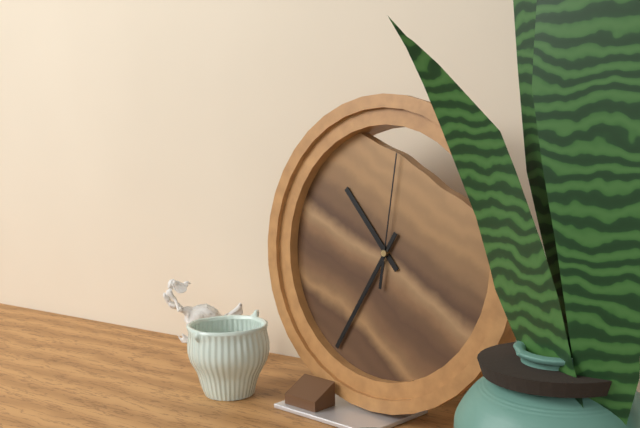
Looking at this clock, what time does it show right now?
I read 10:35:01
